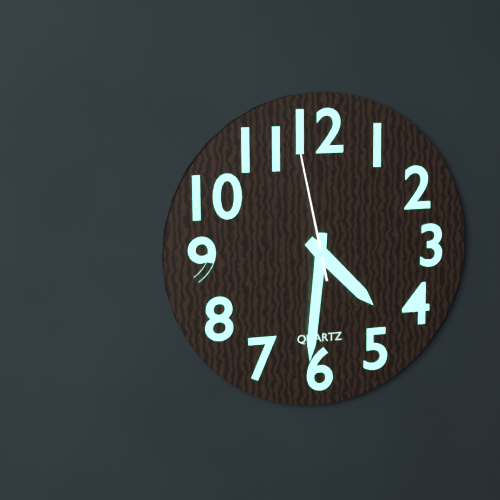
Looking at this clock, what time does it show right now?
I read 4:31:58
